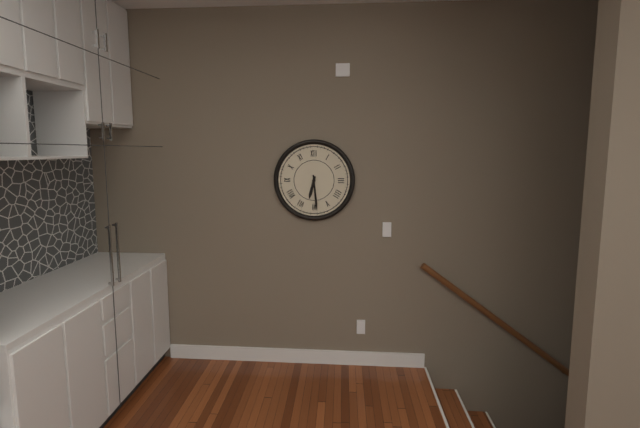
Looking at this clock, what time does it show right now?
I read 6:29
